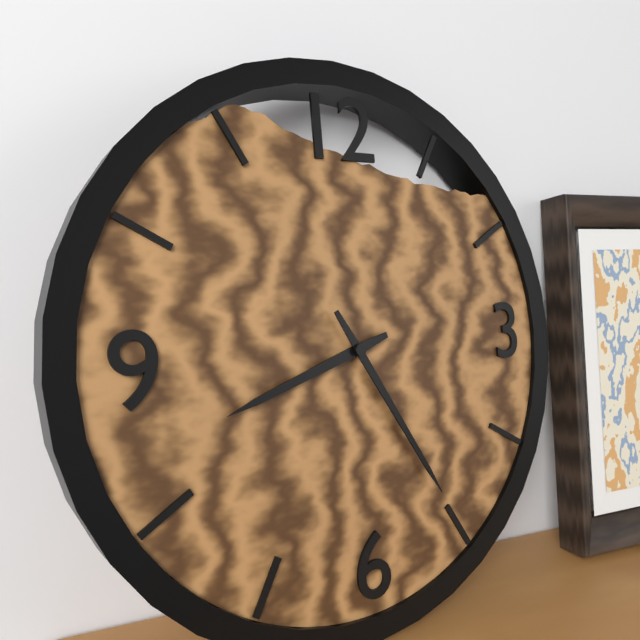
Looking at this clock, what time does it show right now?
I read 8:25
